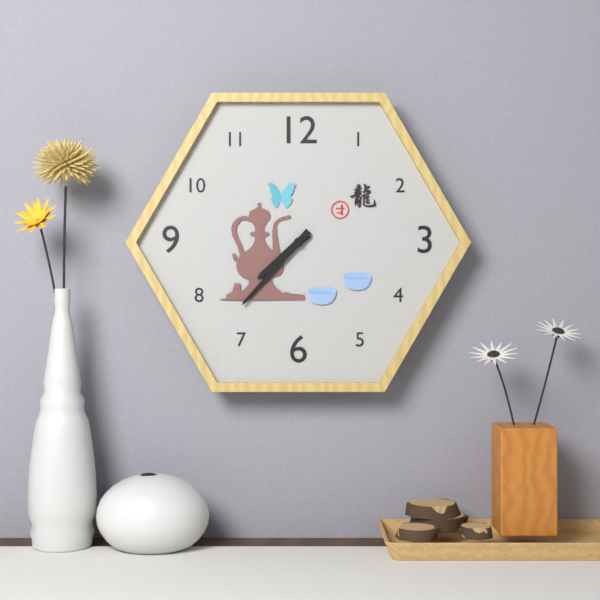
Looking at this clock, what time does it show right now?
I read 7:37
